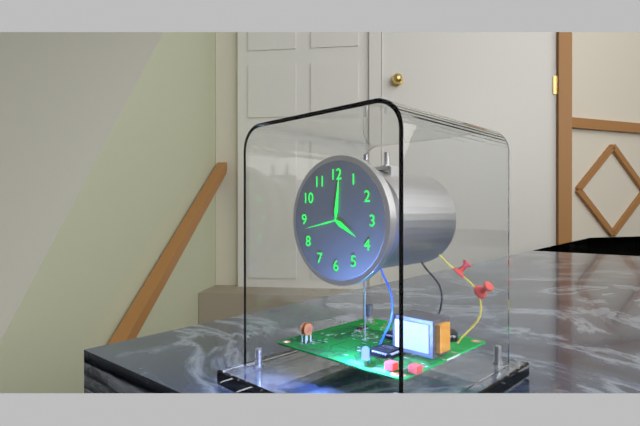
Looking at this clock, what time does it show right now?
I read 4:01
